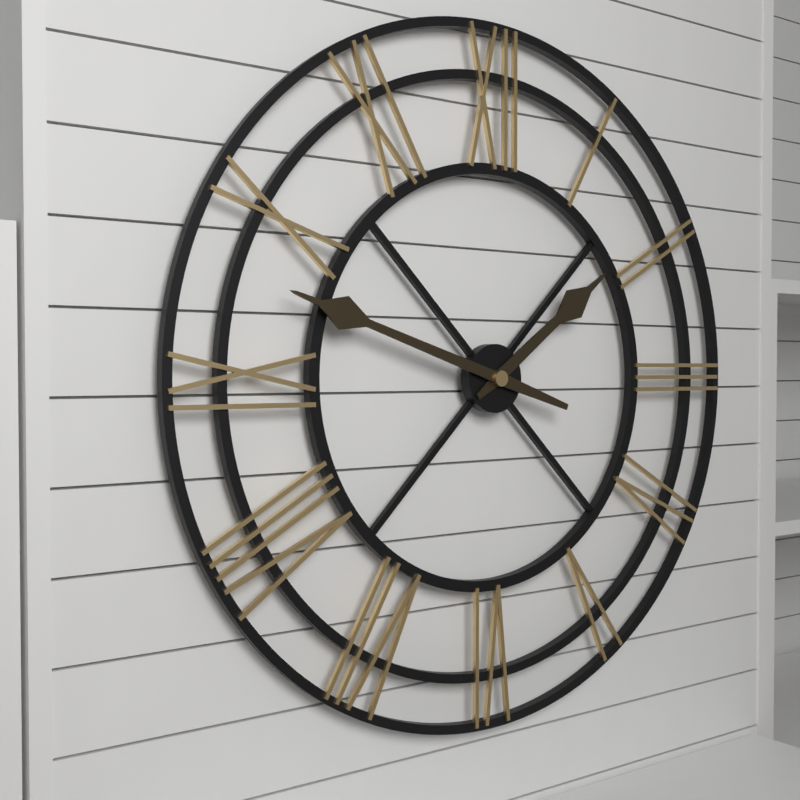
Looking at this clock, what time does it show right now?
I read 1:48
